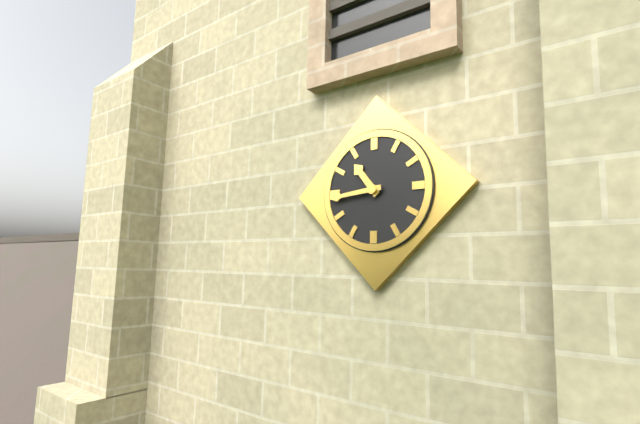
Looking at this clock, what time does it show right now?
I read 10:44
